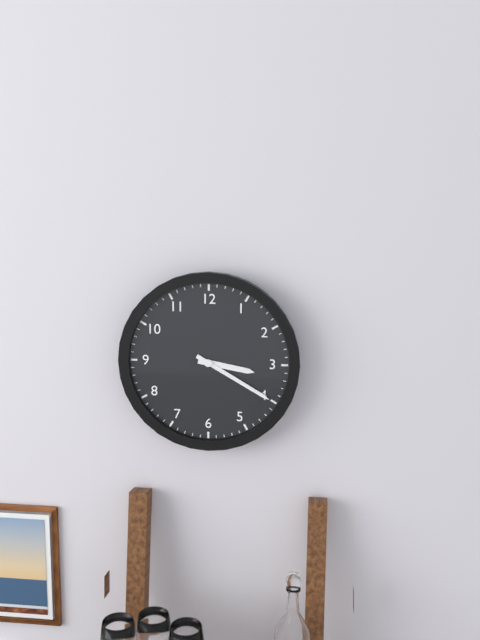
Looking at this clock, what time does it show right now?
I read 3:20
